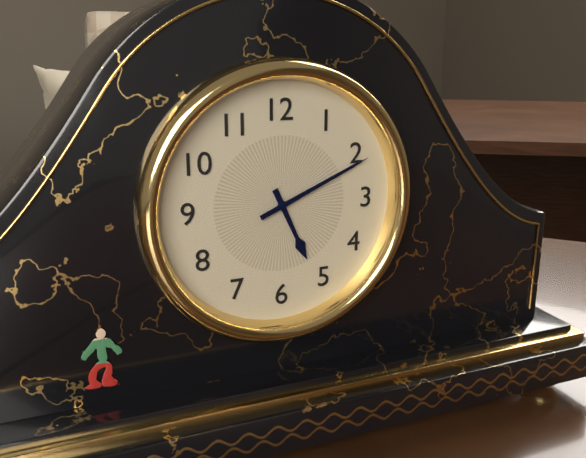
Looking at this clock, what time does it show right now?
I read 5:11
